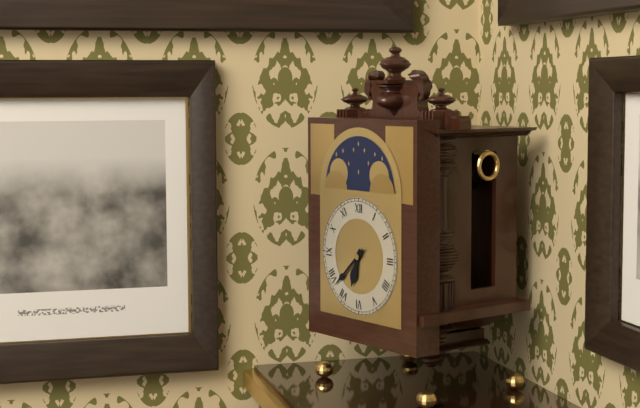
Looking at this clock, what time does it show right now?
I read 6:38
